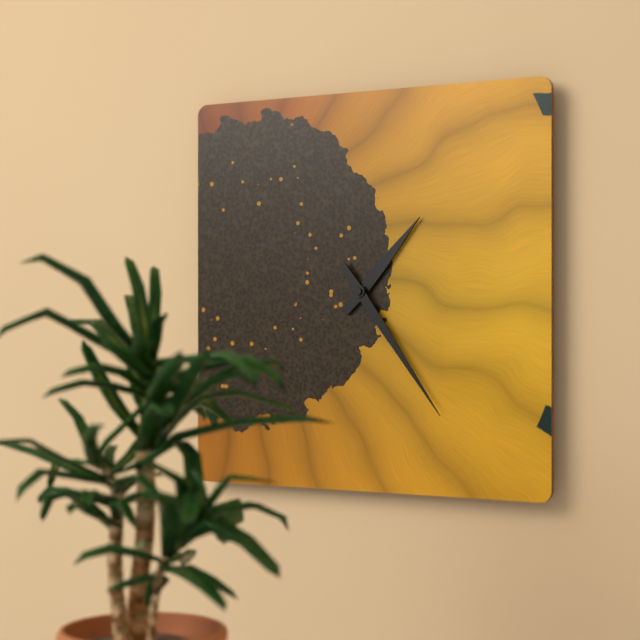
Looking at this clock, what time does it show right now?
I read 1:24
